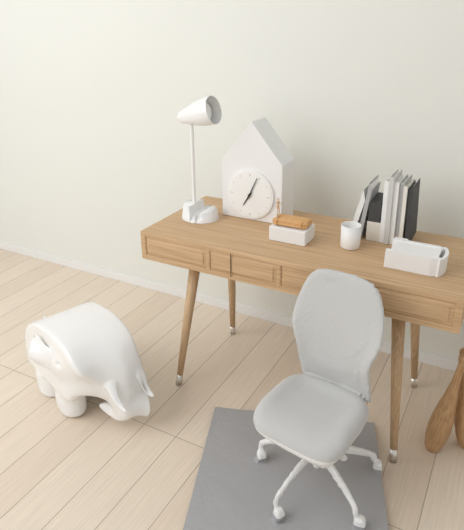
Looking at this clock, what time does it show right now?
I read 7:04
